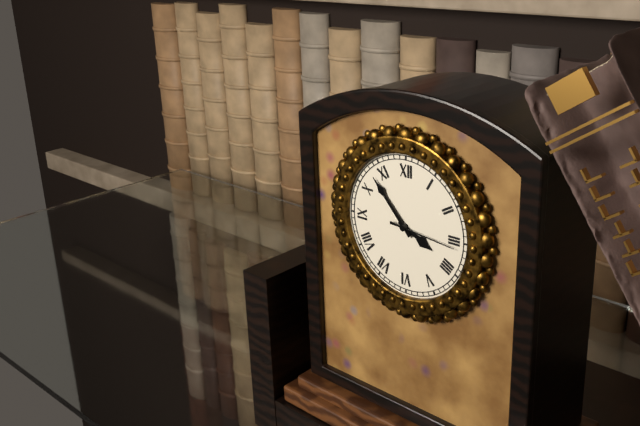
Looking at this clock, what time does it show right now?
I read 3:53:16
